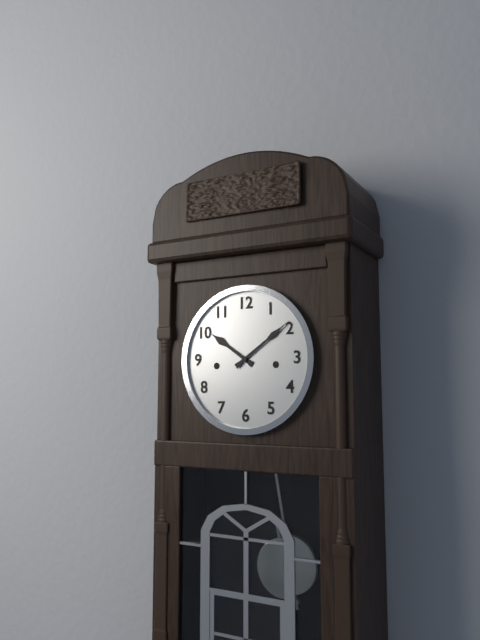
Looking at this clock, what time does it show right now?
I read 10:09
